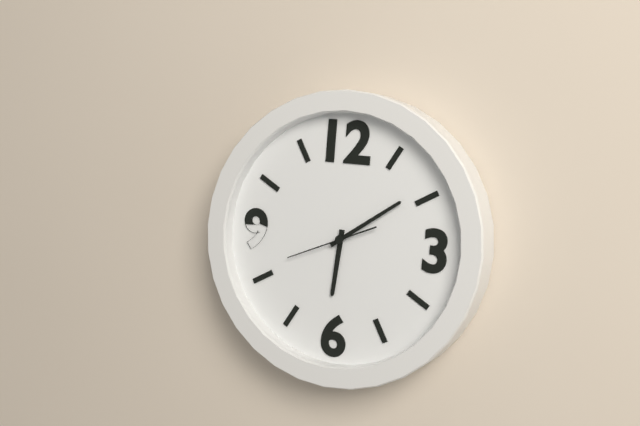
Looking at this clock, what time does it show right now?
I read 6:09:41
